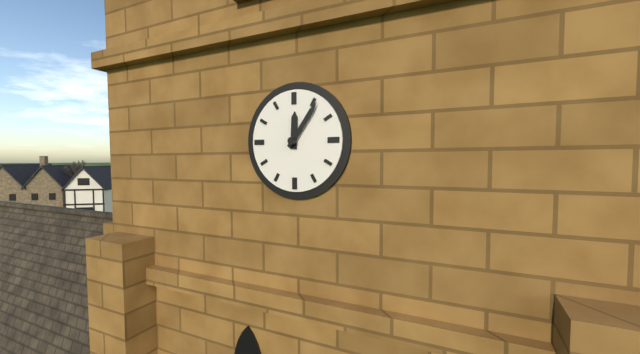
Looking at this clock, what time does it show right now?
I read 12:06
